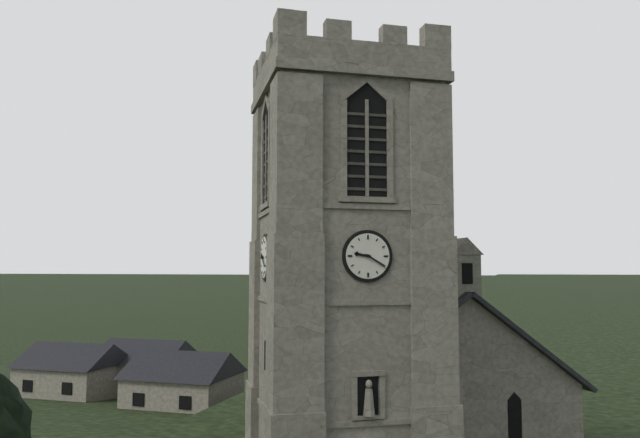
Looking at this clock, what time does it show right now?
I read 9:20
